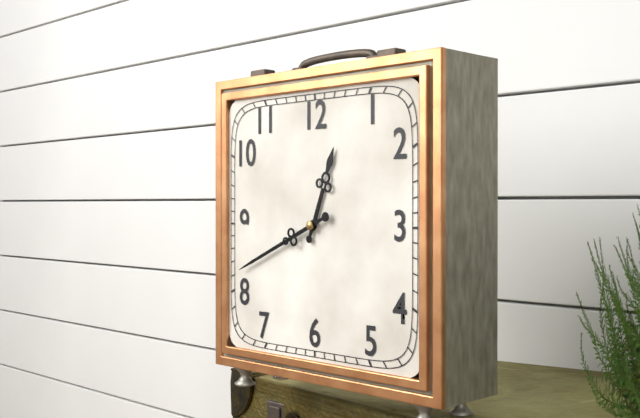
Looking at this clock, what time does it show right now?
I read 12:41
